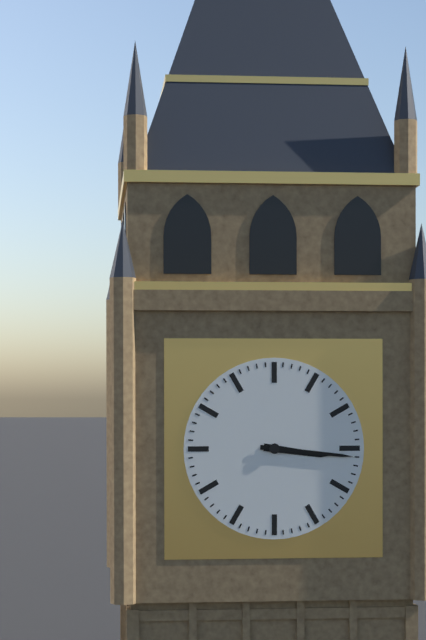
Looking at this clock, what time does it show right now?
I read 3:16
